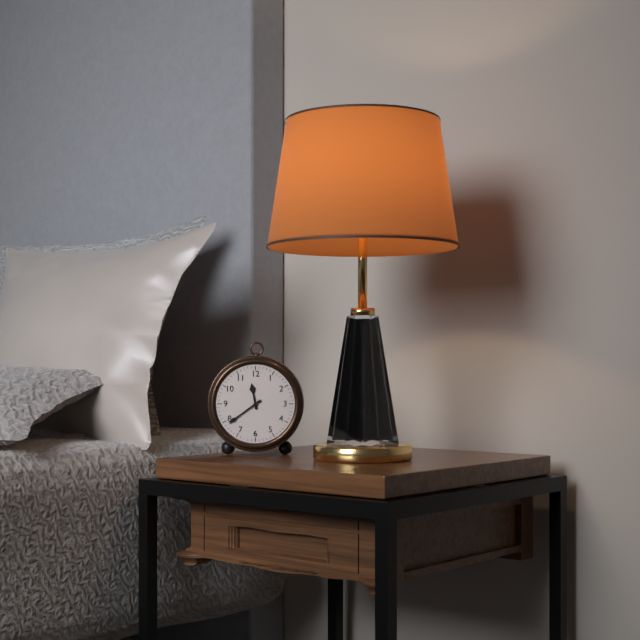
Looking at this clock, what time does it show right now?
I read 11:39
